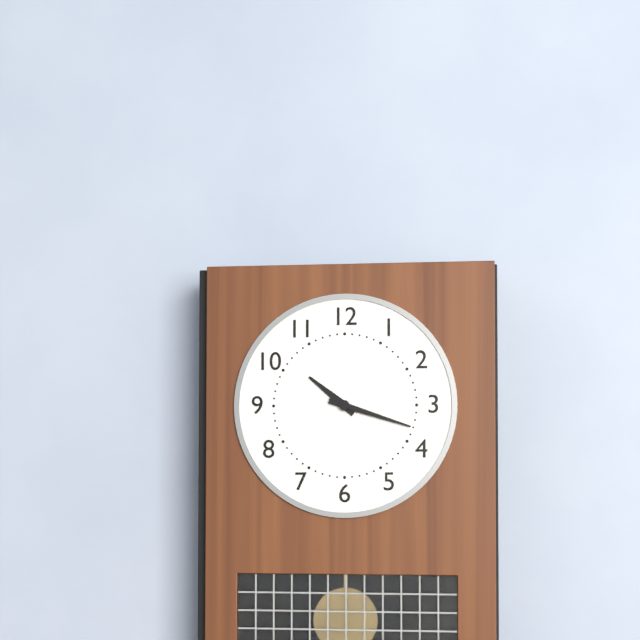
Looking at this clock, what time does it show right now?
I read 10:18
